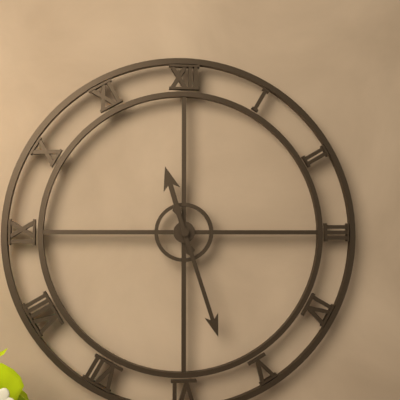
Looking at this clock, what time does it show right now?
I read 11:27
